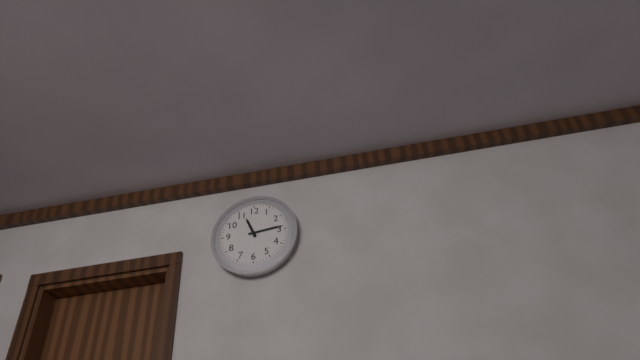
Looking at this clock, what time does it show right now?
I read 11:14
